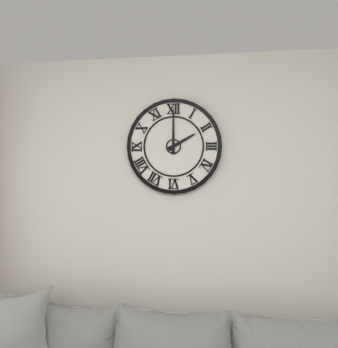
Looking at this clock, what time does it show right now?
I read 2:00
